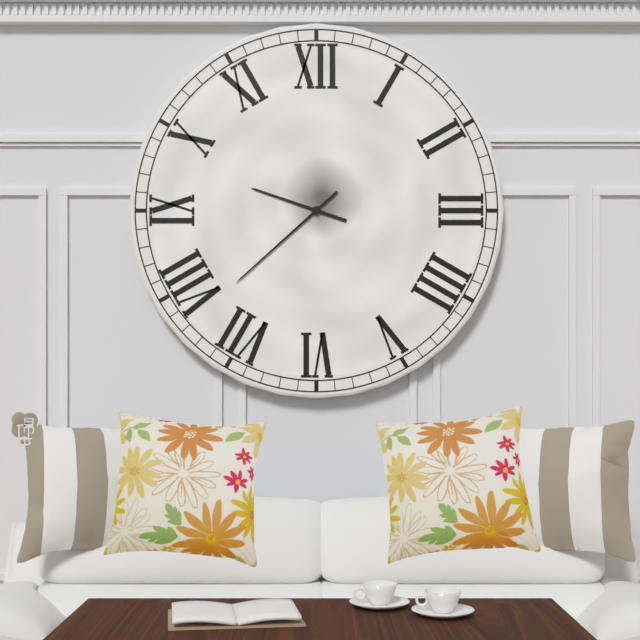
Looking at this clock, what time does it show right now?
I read 9:38
